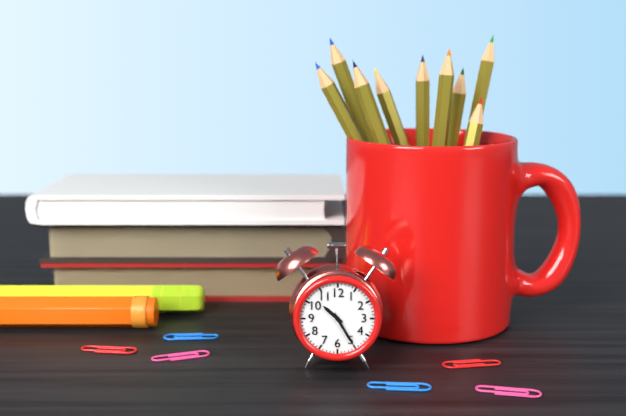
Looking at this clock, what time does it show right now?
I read 10:25
